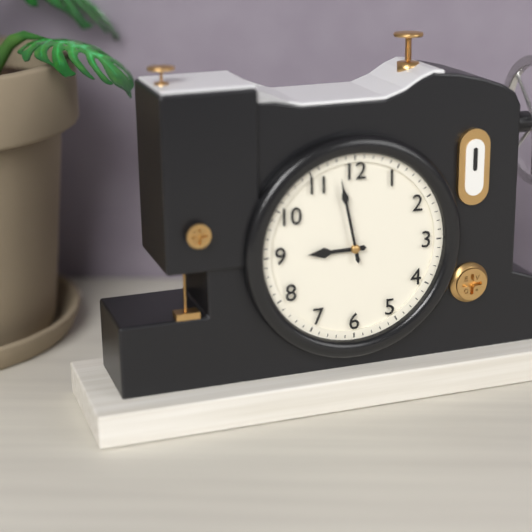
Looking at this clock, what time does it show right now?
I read 8:58
